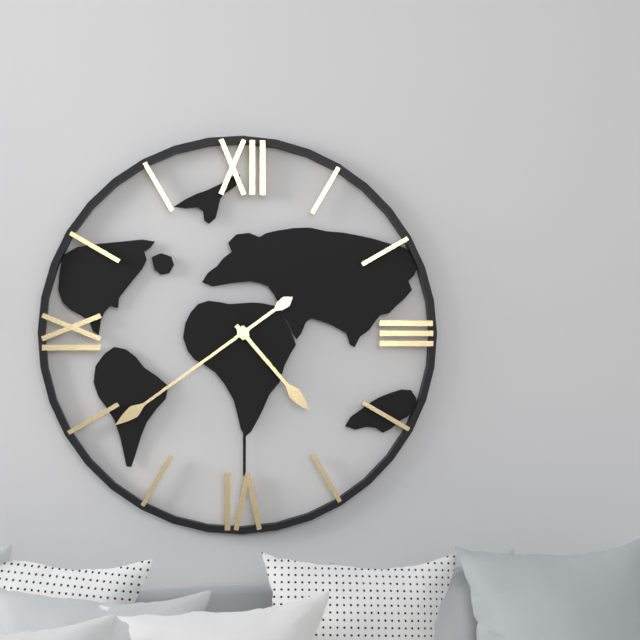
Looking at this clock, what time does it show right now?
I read 4:39
